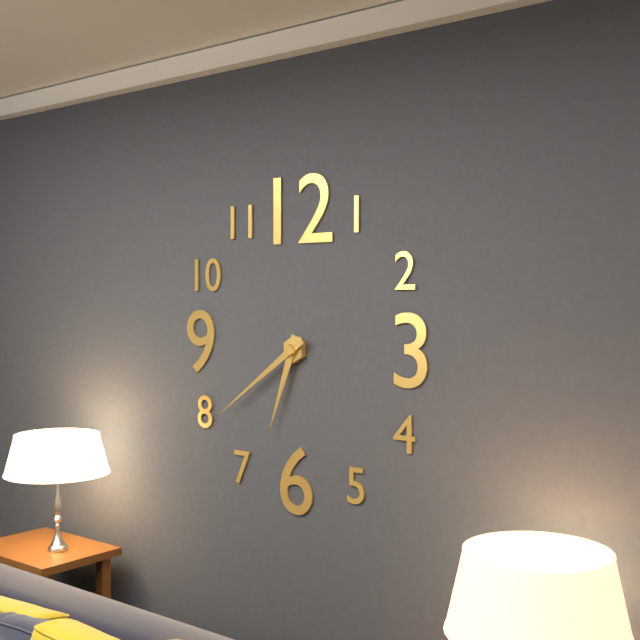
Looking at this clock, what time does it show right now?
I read 6:39
